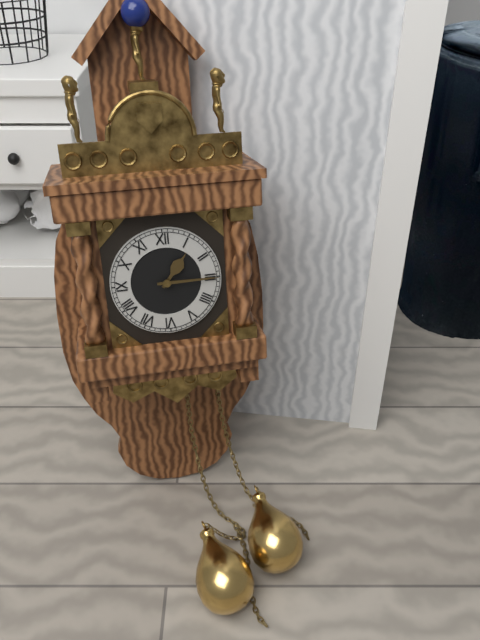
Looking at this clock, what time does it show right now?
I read 1:15
